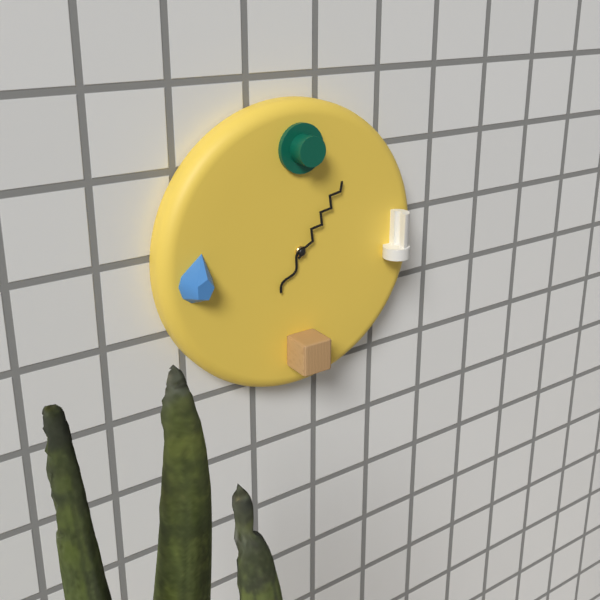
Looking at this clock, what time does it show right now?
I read 7:06
